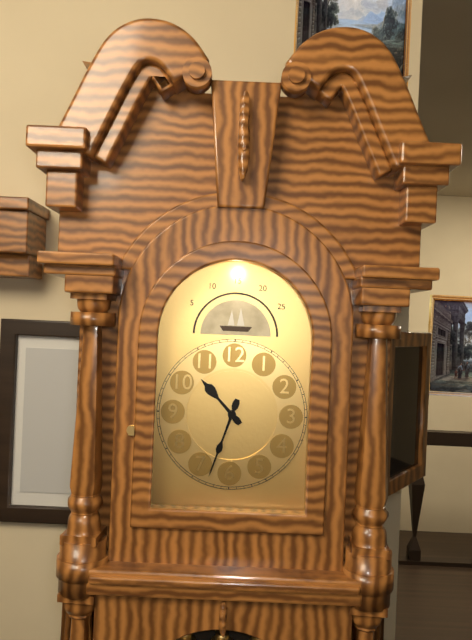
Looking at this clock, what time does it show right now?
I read 10:33
